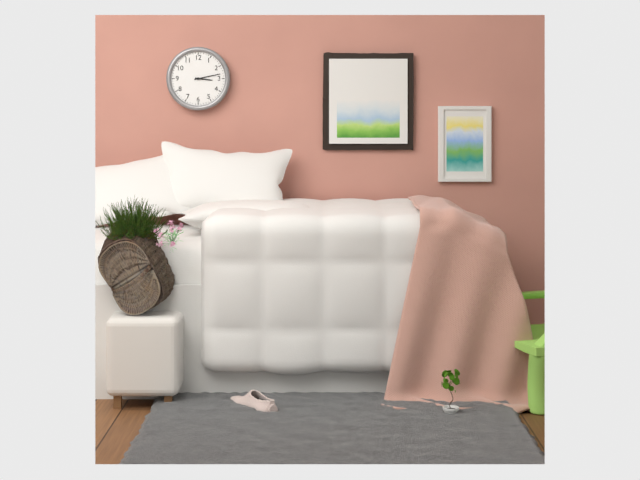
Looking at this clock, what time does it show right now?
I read 3:13
